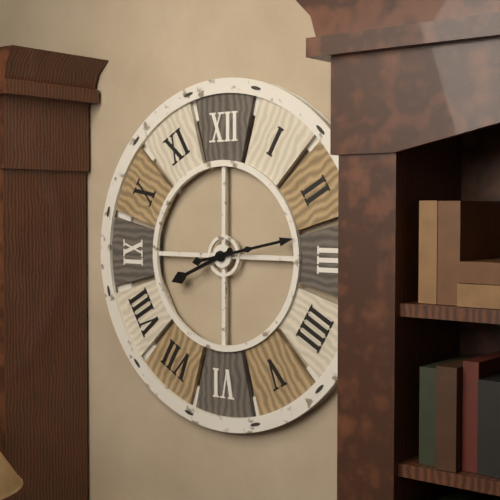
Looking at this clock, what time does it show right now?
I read 8:13
